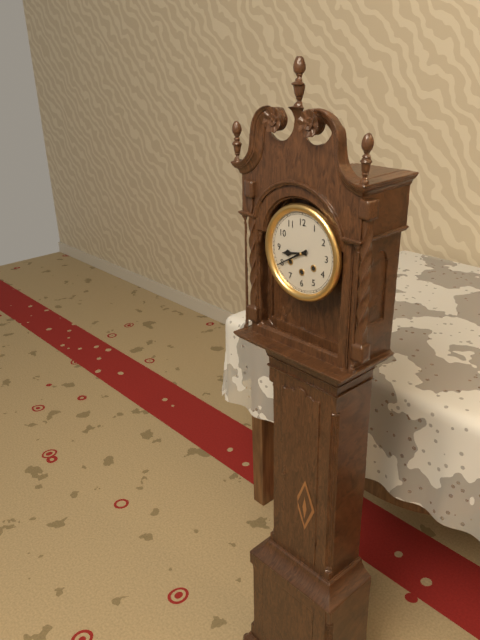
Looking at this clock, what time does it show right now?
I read 8:40
